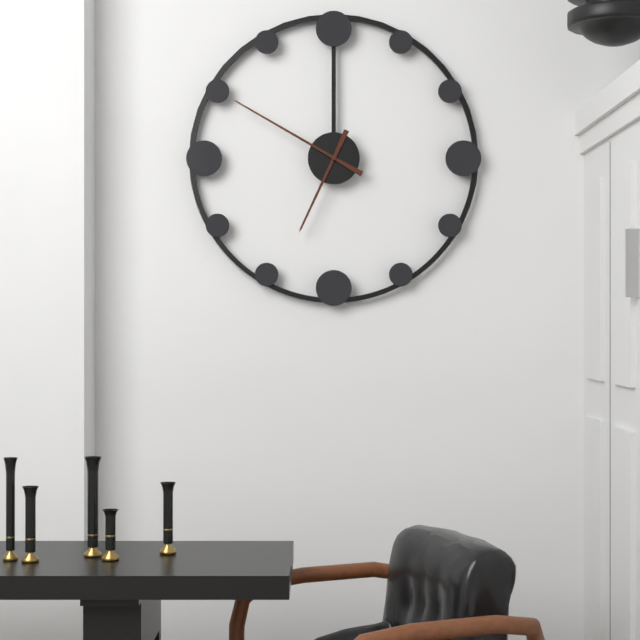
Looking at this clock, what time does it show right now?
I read 6:50
